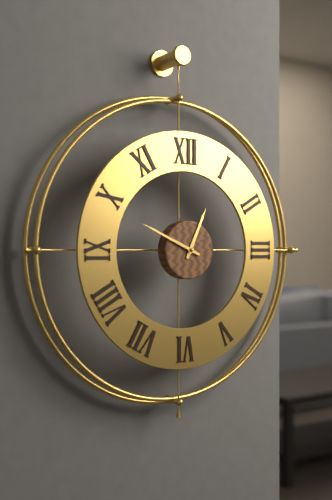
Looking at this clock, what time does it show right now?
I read 12:49
